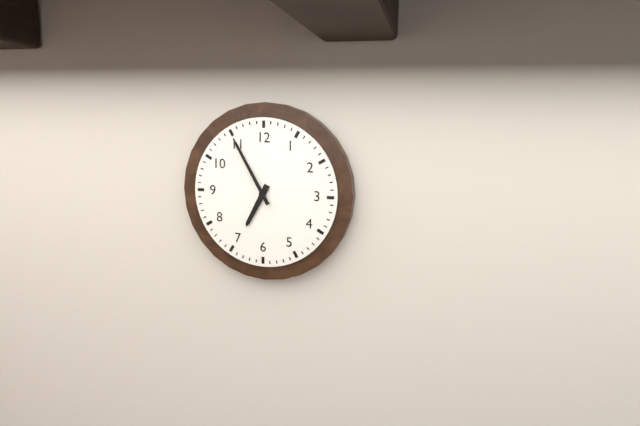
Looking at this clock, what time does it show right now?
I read 6:55
